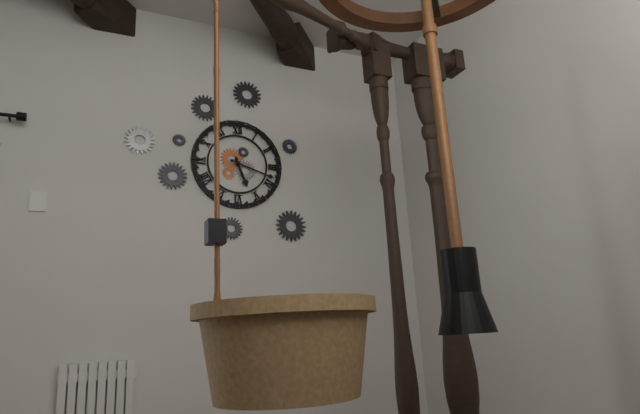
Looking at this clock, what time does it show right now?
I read 5:18
